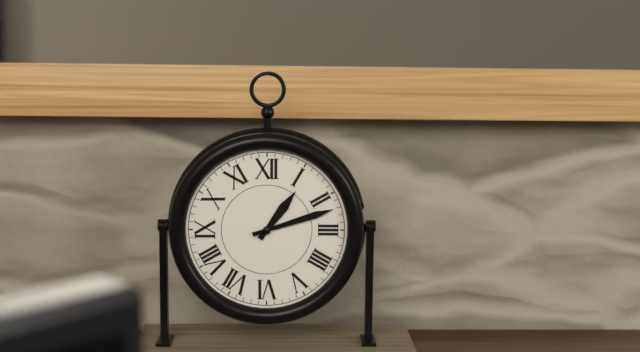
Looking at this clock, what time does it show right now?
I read 1:12
